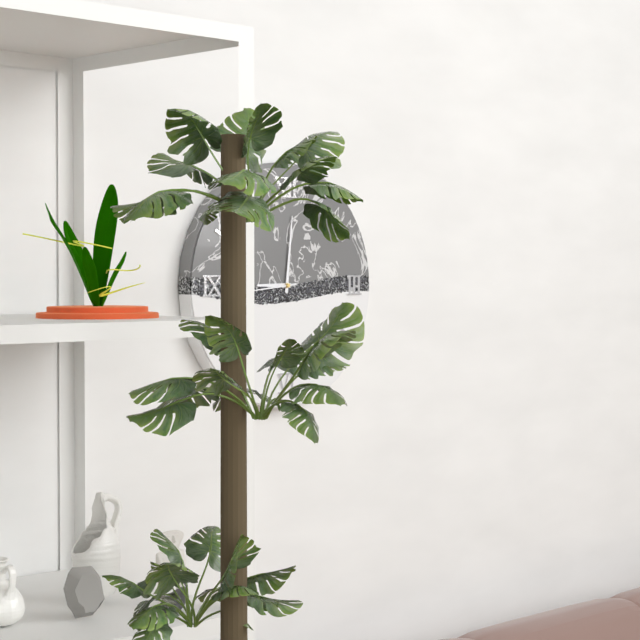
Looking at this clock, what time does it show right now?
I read 9:01:44
